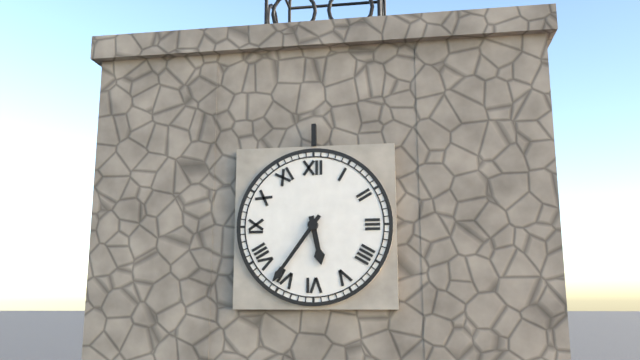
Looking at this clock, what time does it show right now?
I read 5:36
